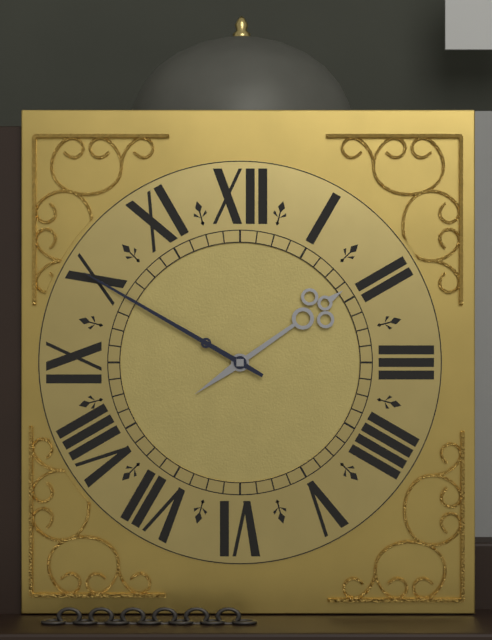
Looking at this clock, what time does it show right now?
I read 1:50
